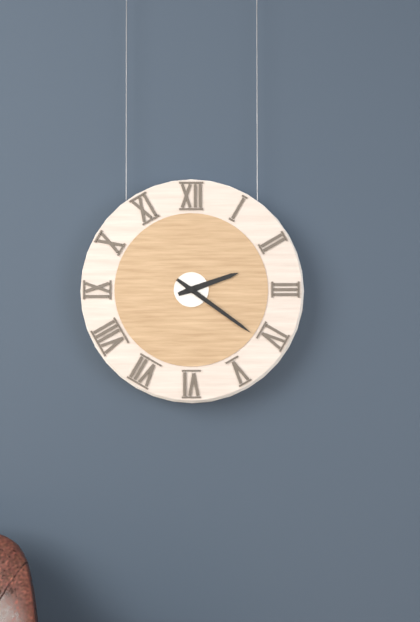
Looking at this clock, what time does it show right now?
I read 2:21
